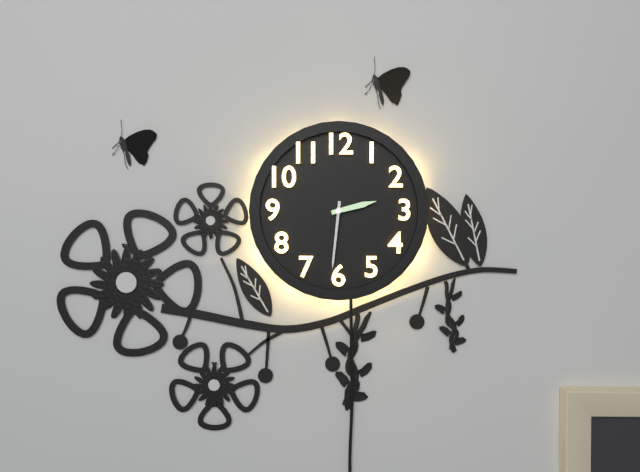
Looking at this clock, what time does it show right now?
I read 2:31
